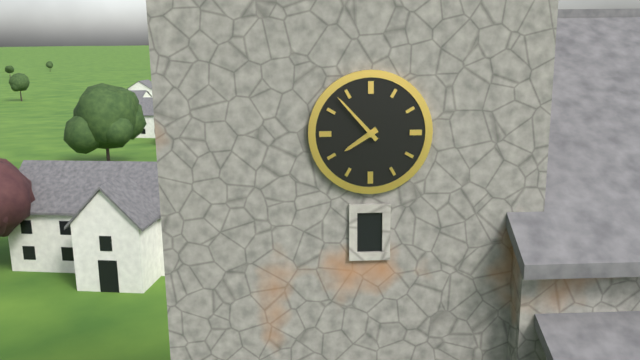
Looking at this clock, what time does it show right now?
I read 7:53
